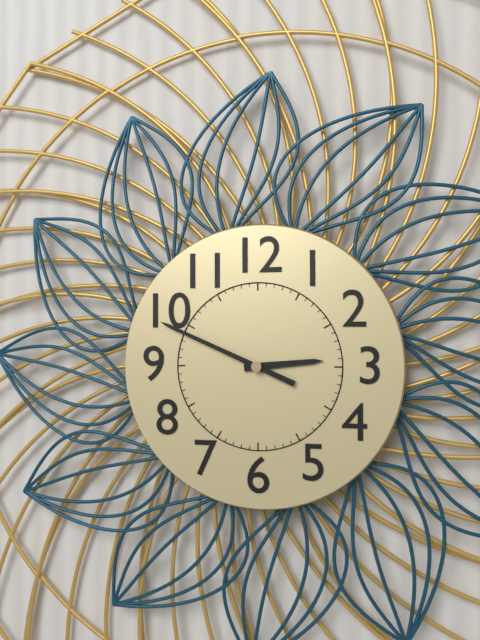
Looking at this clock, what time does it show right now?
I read 2:49
